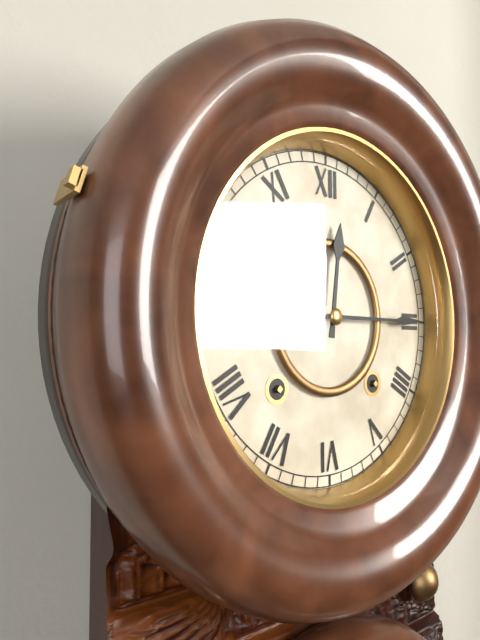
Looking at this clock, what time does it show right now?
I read 12:15
